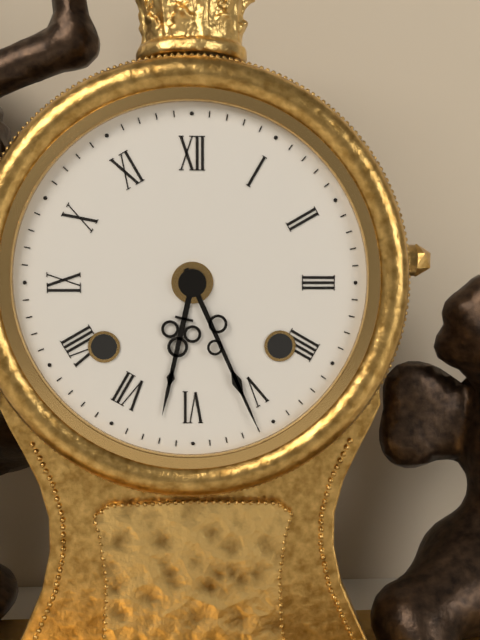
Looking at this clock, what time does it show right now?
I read 6:26
